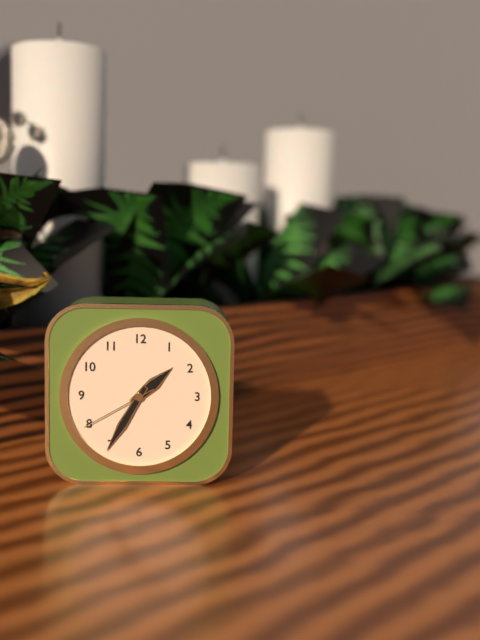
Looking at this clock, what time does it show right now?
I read 1:35:40
